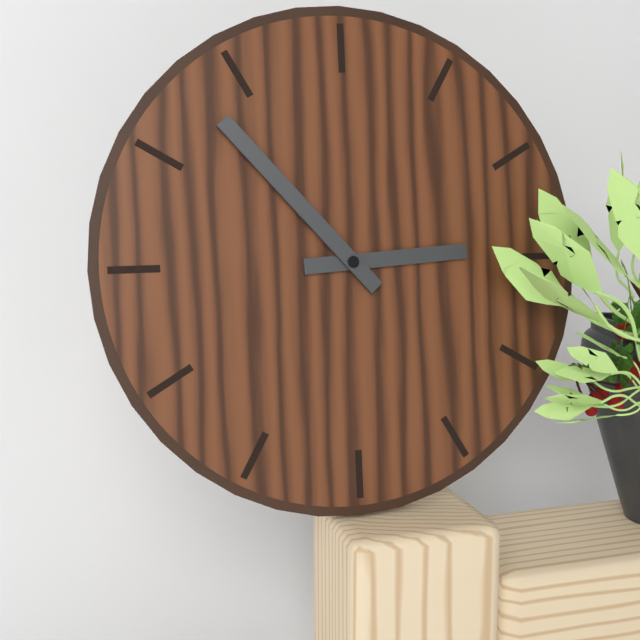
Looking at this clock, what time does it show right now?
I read 2:53
